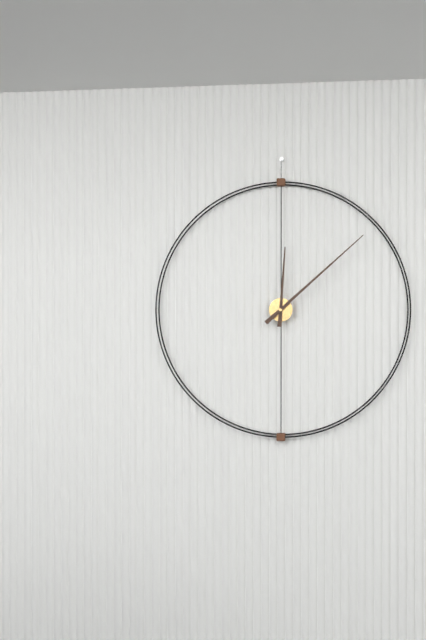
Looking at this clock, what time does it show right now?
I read 12:08
